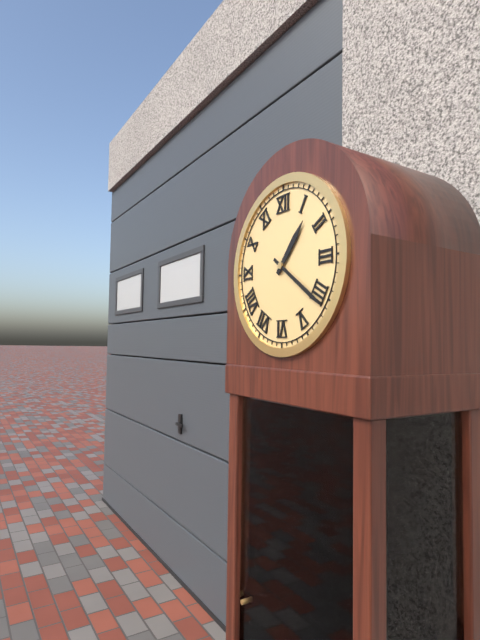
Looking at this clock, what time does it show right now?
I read 1:21
